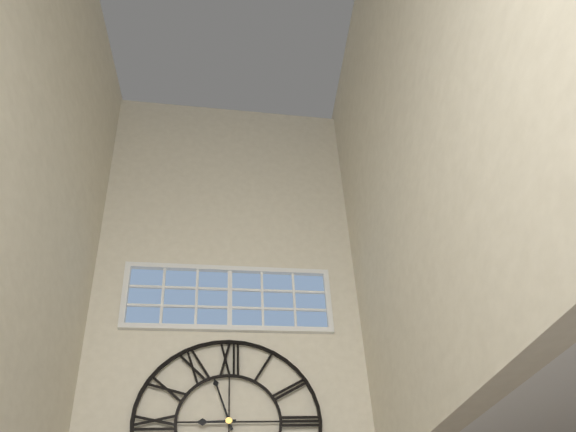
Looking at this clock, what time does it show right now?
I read 8:57
